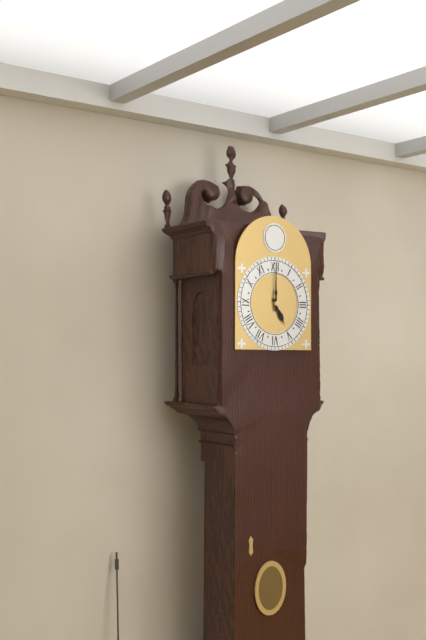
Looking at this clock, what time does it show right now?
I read 5:00
